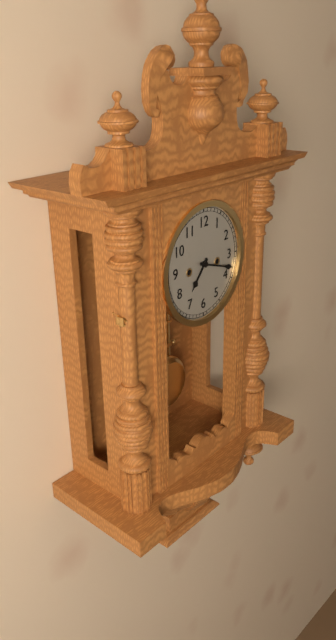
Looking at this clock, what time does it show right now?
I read 7:18
